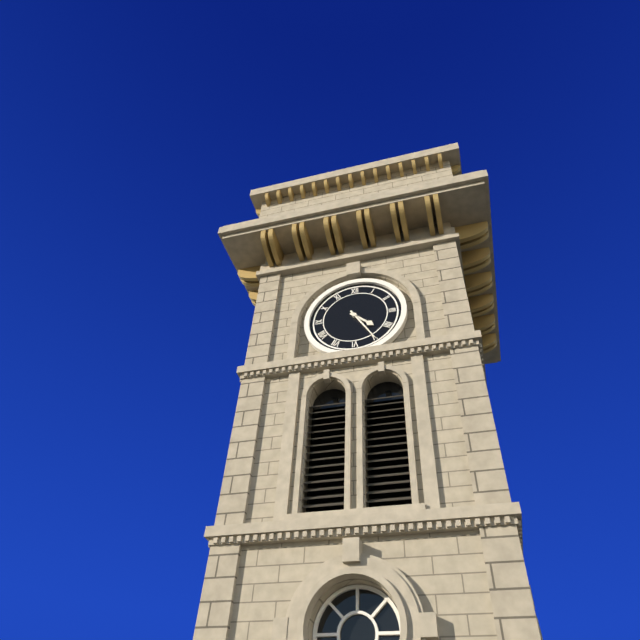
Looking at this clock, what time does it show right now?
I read 4:25
